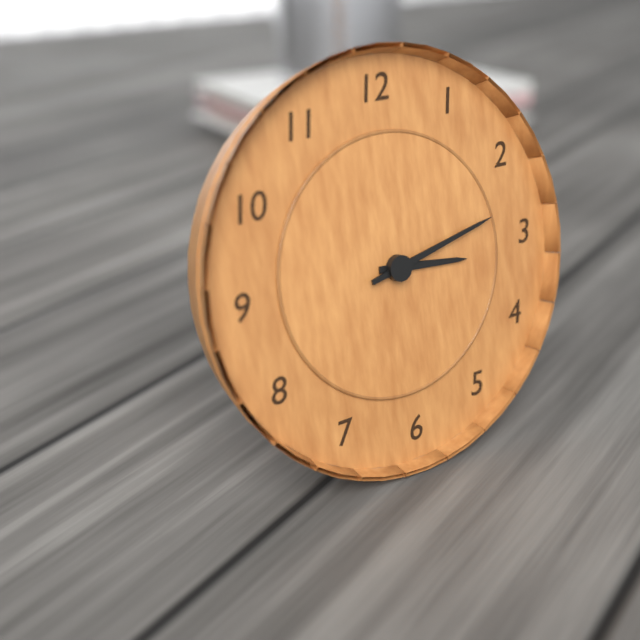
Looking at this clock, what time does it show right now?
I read 3:13
